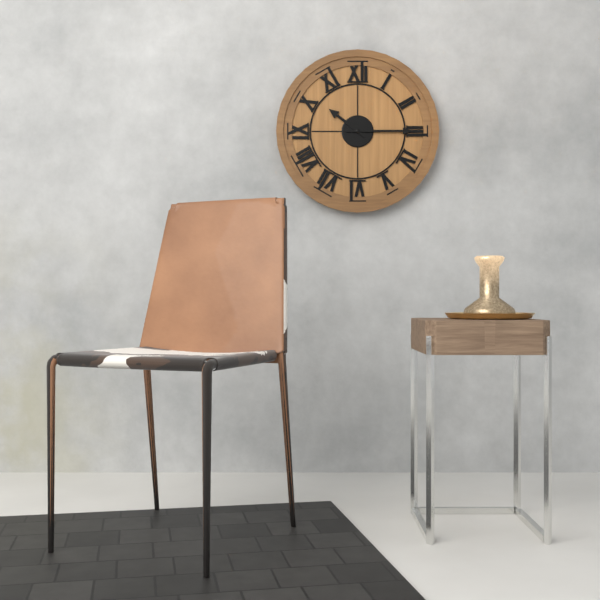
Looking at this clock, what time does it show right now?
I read 10:15
